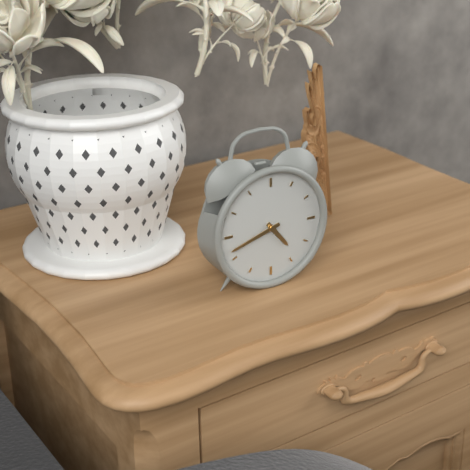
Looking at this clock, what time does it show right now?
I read 4:42
